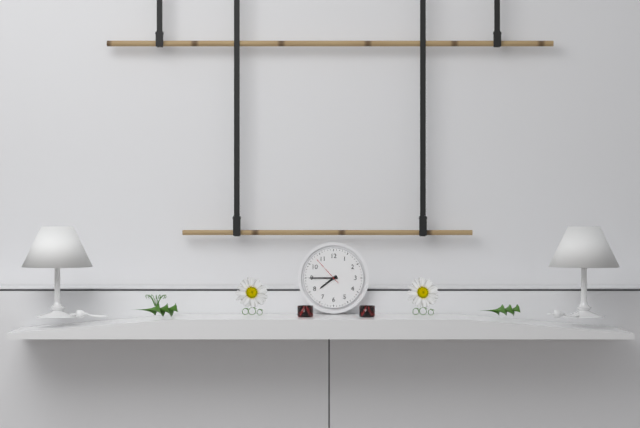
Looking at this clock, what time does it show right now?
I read 7:45
